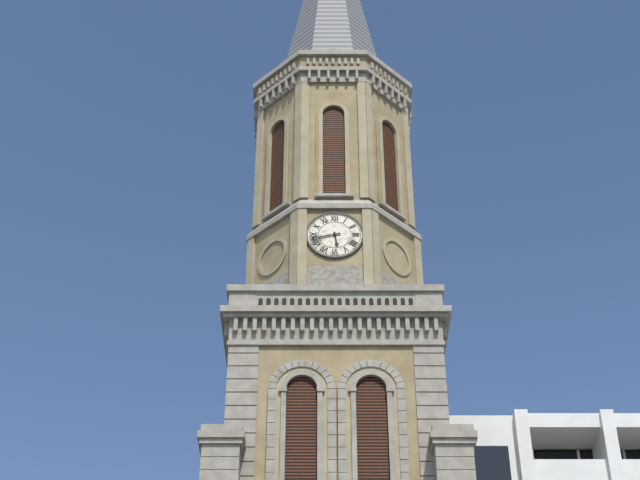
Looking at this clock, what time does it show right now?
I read 5:43
